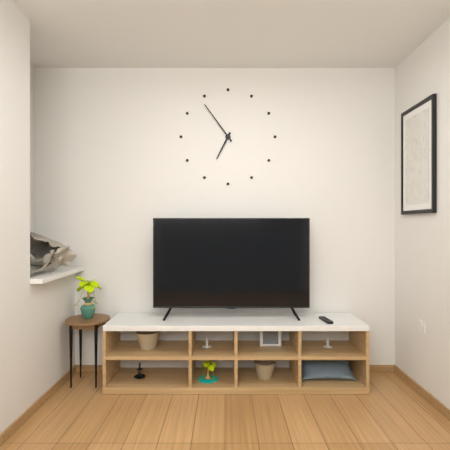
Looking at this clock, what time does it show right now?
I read 6:54
